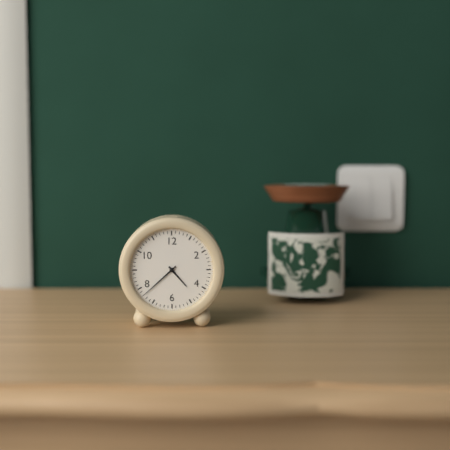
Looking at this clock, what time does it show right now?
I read 4:38
